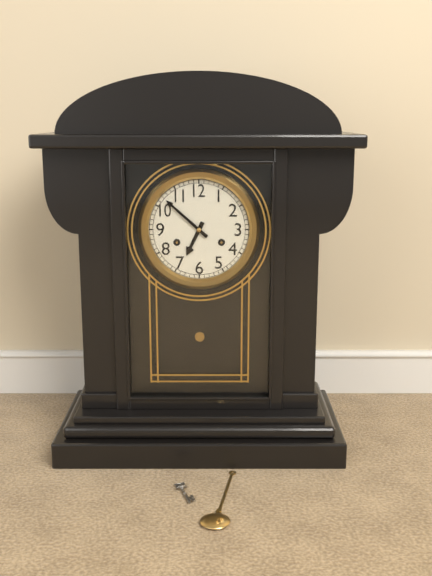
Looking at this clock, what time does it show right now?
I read 6:52
